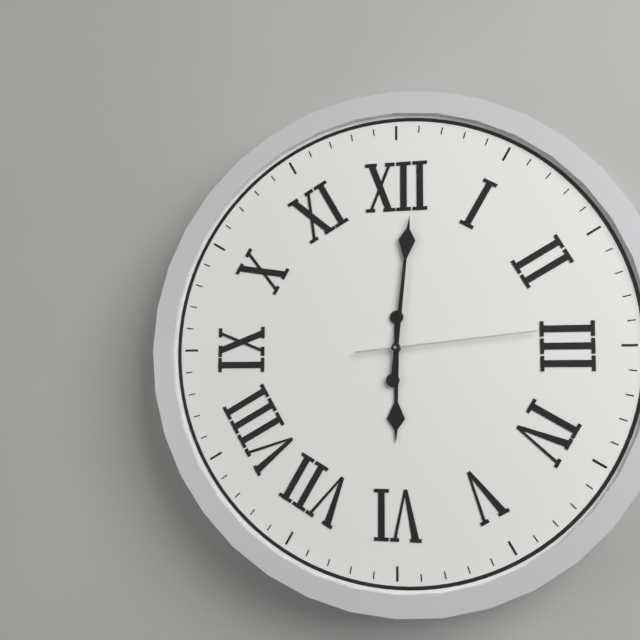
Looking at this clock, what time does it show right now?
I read 6:01:14
